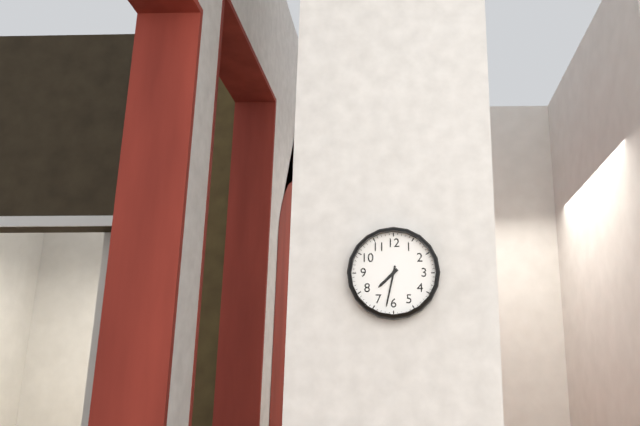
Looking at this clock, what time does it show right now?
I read 7:32
